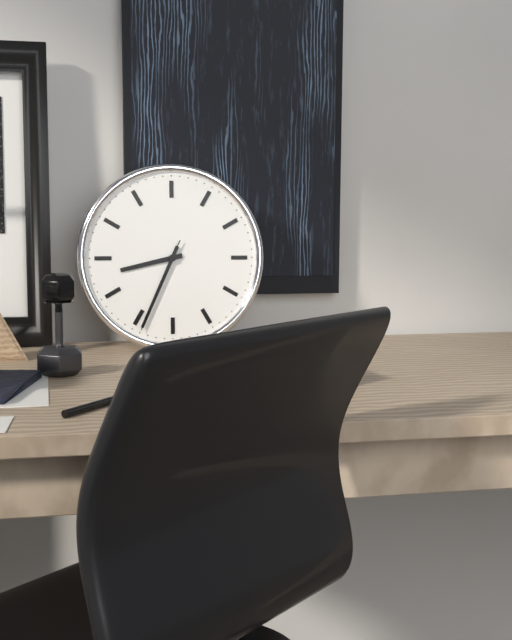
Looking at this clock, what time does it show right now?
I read 8:34:34
